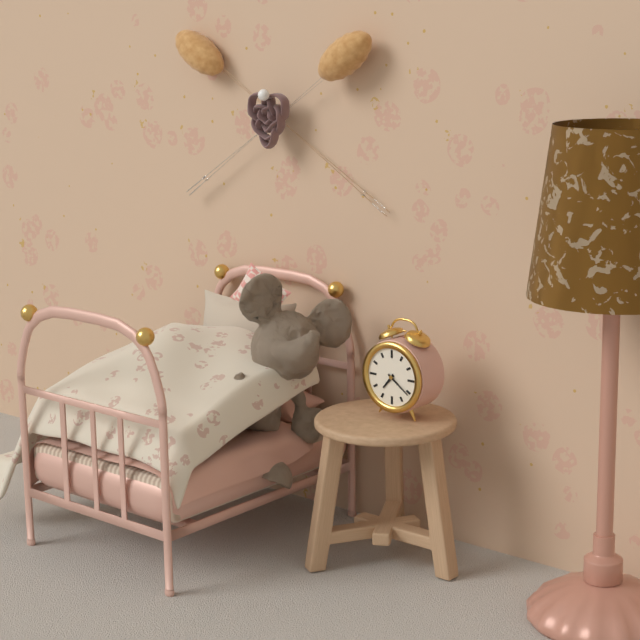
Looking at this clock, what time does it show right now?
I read 7:21
